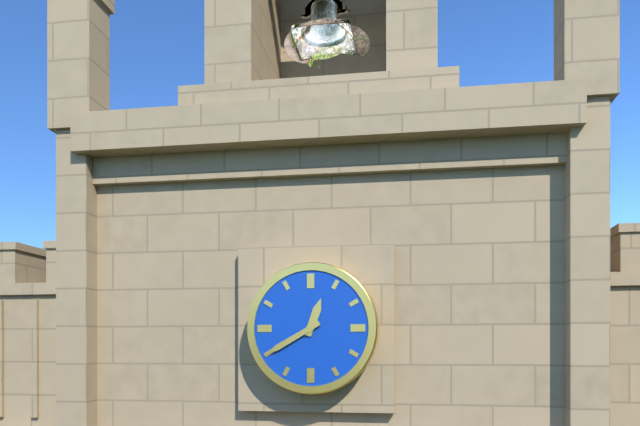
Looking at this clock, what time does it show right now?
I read 12:40
